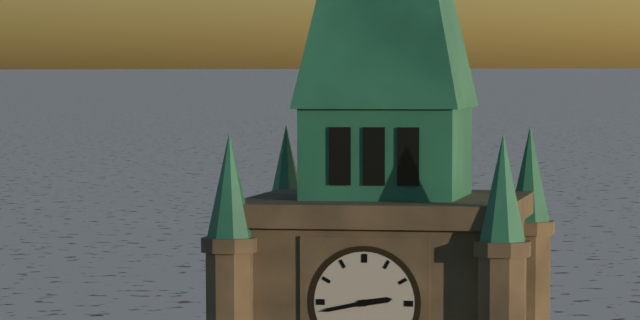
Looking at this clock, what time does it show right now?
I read 2:43
